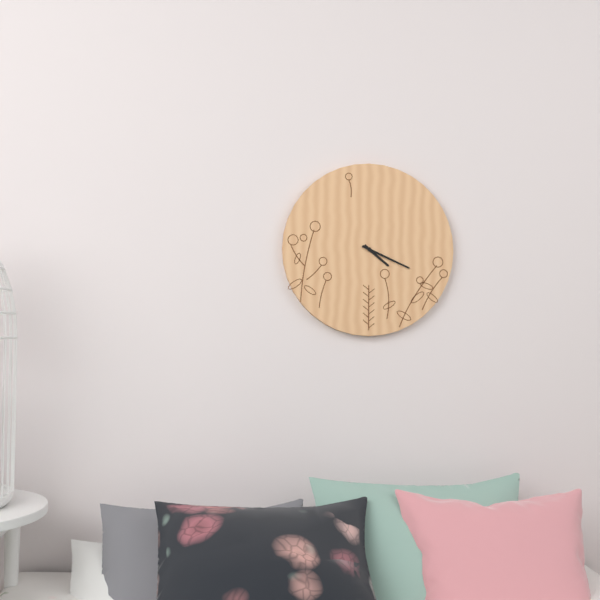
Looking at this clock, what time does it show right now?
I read 4:19
